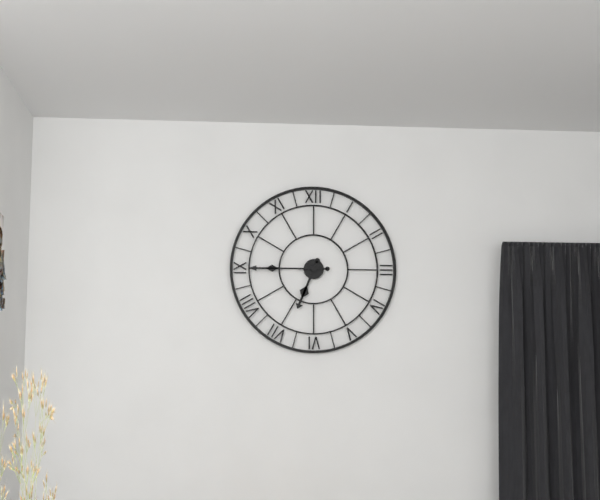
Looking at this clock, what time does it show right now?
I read 6:45
